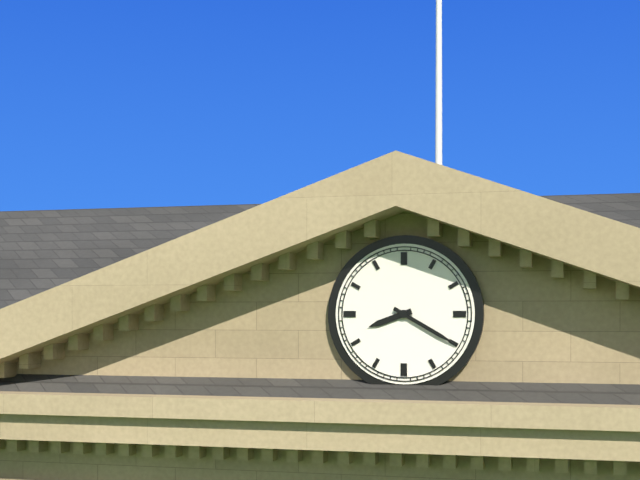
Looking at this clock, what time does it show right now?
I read 8:20
